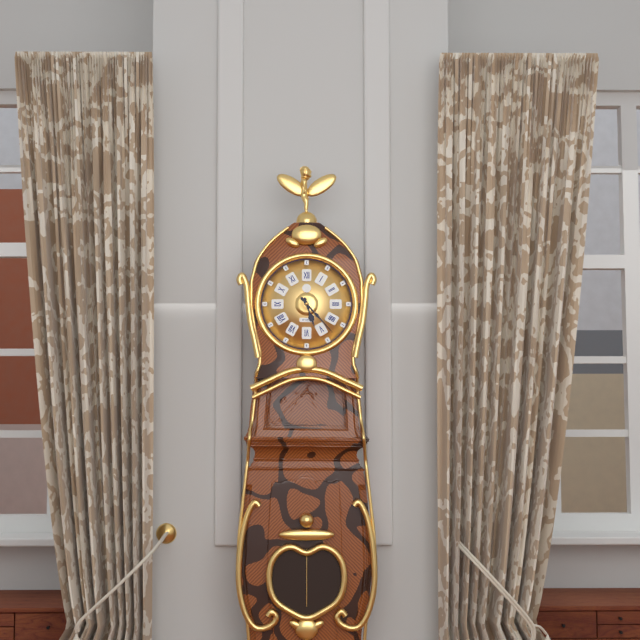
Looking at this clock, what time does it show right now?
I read 5:23
